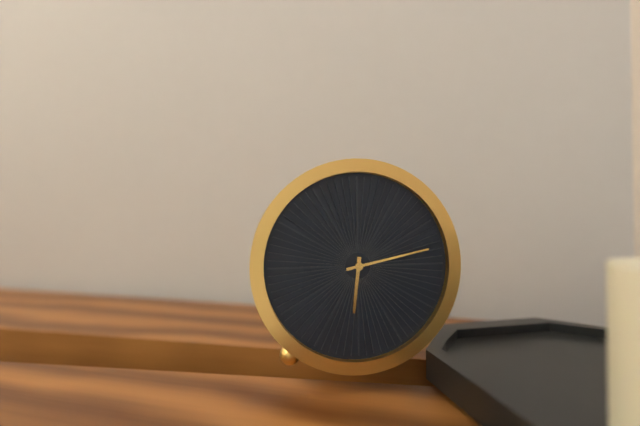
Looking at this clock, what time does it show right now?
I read 6:13
